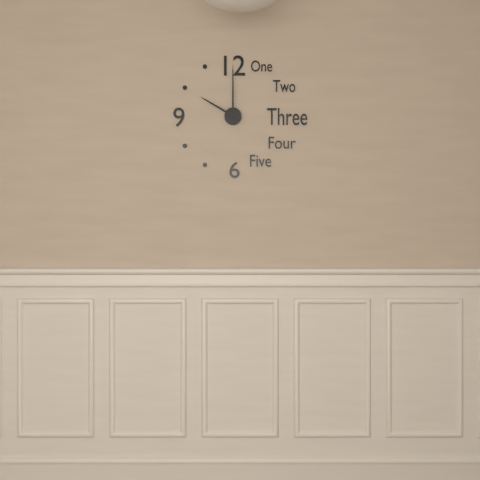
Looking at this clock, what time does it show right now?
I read 10:00
